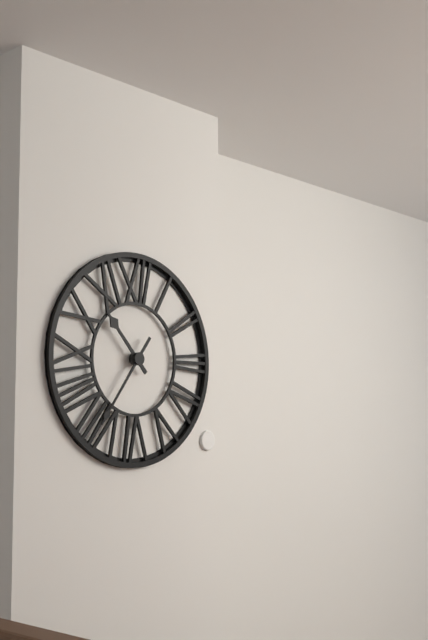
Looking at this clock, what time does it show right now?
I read 10:36
